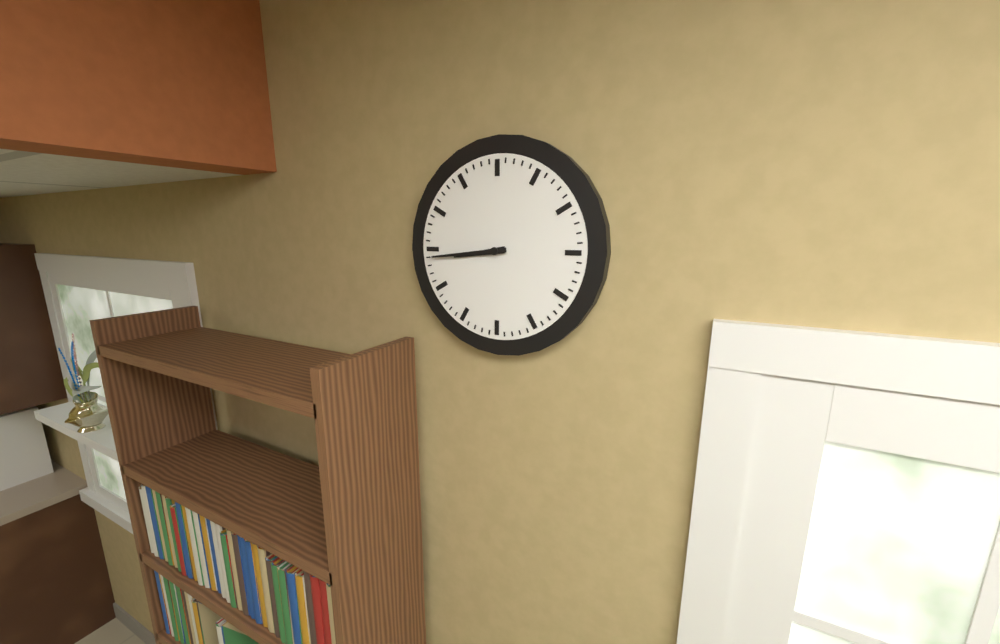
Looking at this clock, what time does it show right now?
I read 8:44
